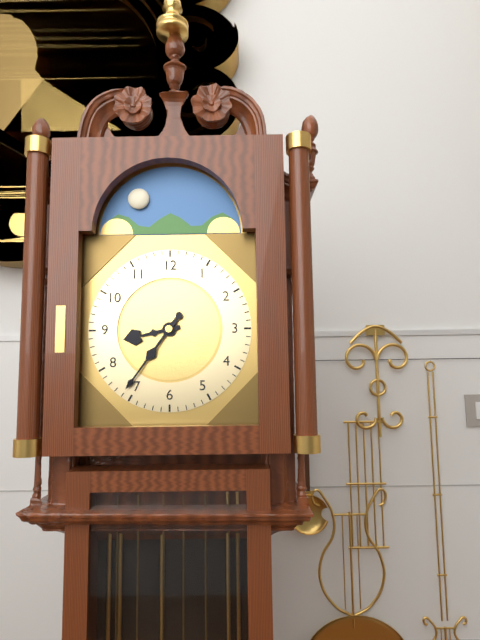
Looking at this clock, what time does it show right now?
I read 8:36
